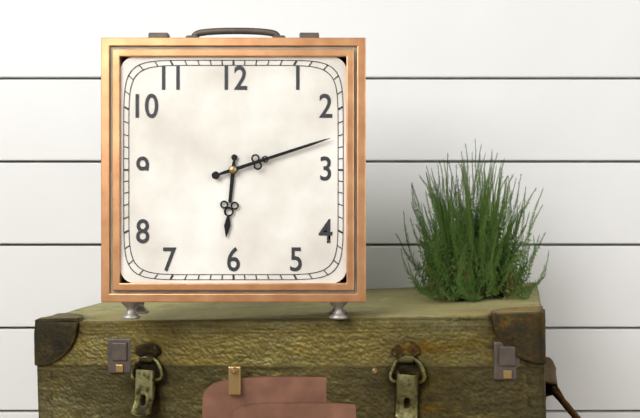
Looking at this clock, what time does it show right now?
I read 6:12
